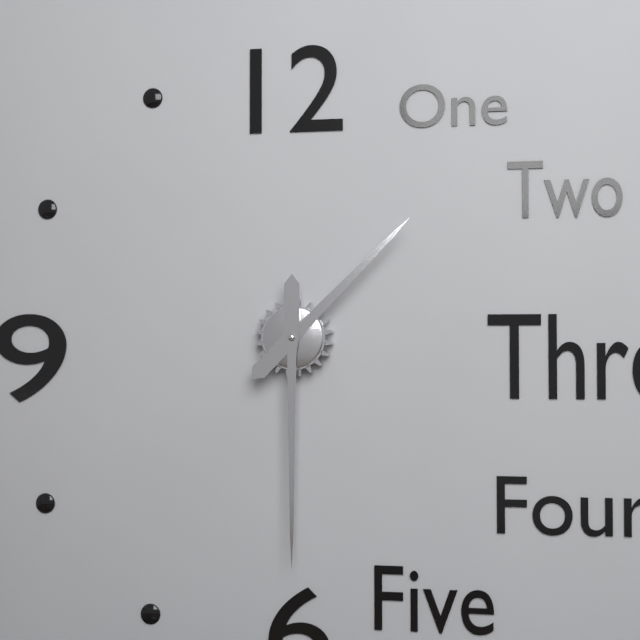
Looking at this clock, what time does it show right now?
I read 1:30
